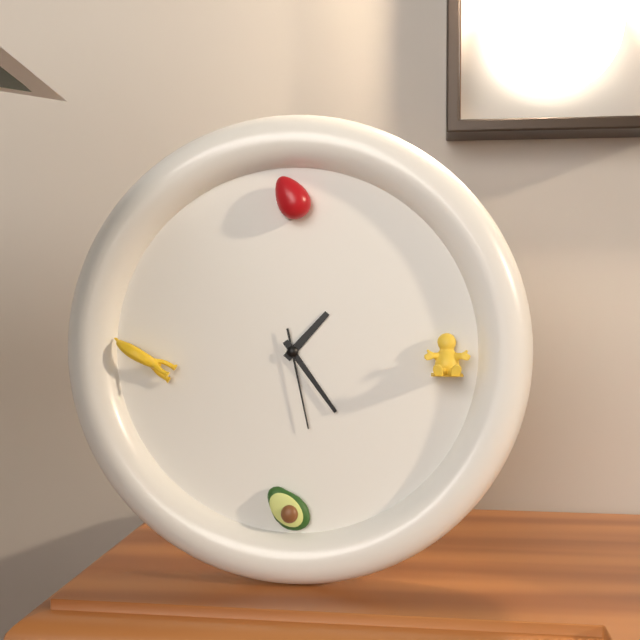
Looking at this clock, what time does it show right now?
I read 1:24:28
